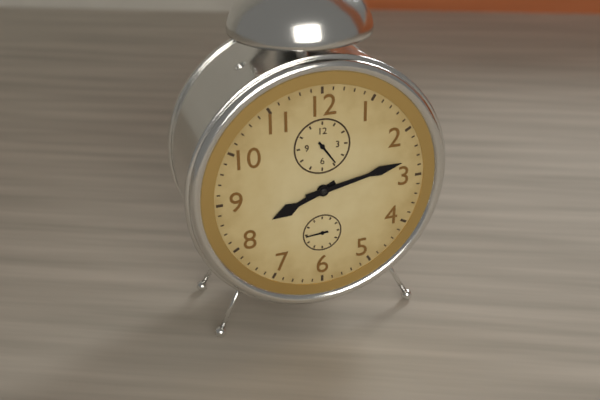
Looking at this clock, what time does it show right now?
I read 8:13
